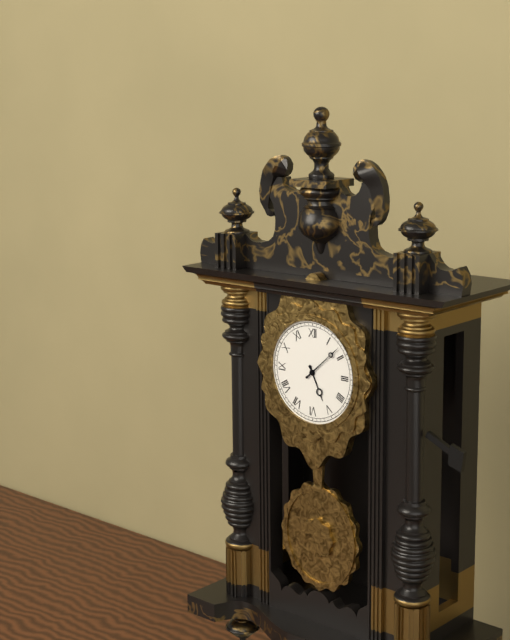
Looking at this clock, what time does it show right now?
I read 5:08
